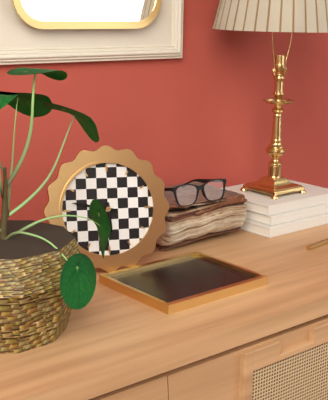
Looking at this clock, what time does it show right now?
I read 5:47
